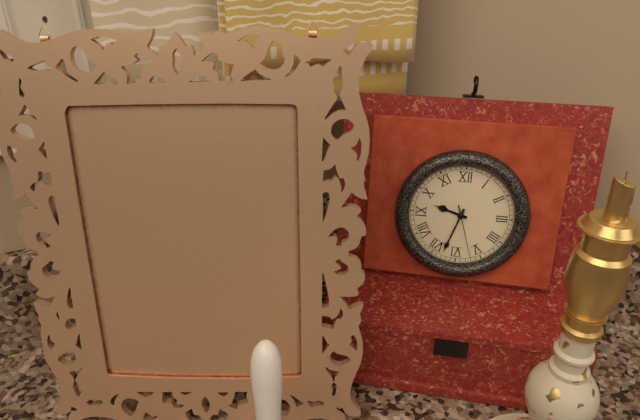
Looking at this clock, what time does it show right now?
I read 9:33:27
